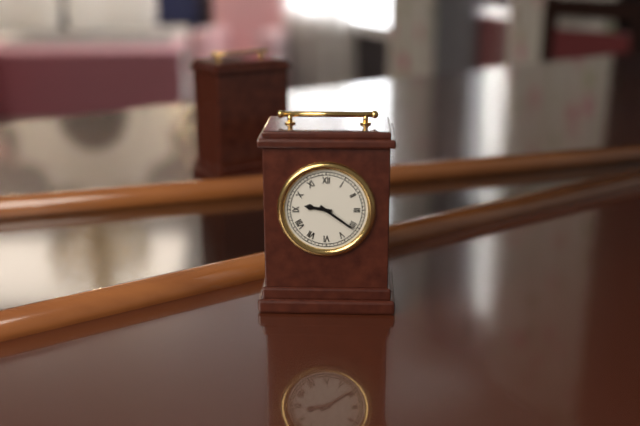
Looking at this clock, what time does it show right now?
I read 9:21
